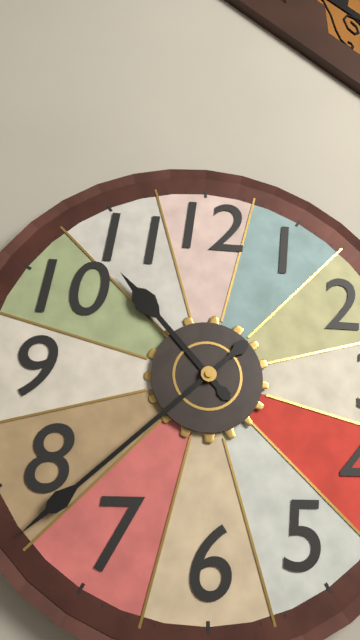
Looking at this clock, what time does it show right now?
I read 10:38
